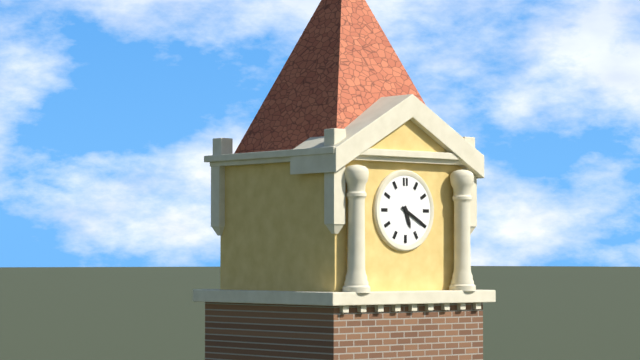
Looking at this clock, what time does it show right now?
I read 5:20
